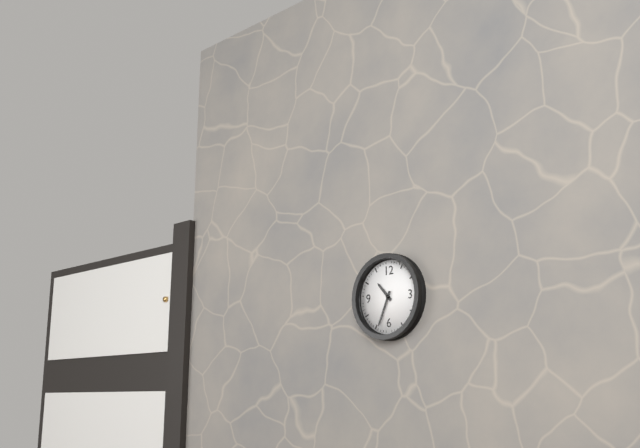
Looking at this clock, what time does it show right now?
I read 10:34
